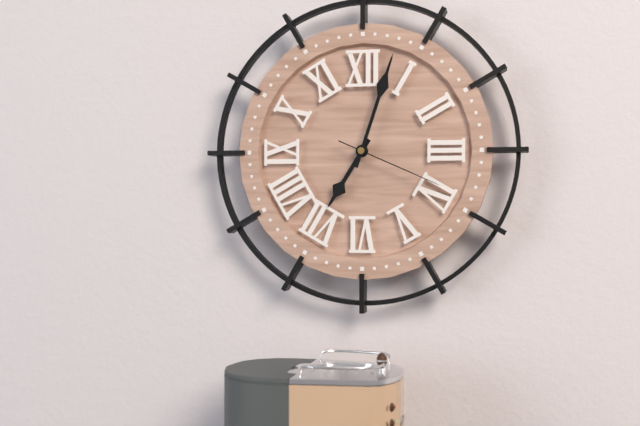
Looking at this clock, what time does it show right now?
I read 7:03:19
